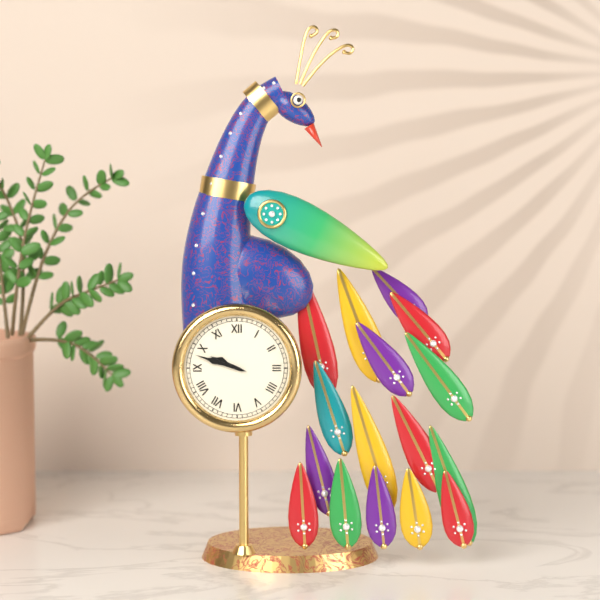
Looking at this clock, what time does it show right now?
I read 9:48
